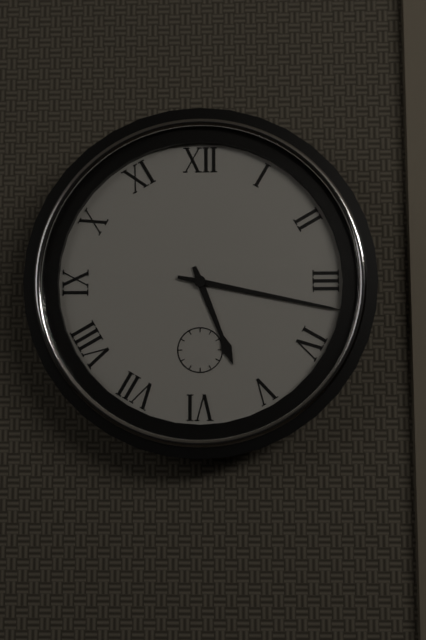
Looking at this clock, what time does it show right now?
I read 5:17
